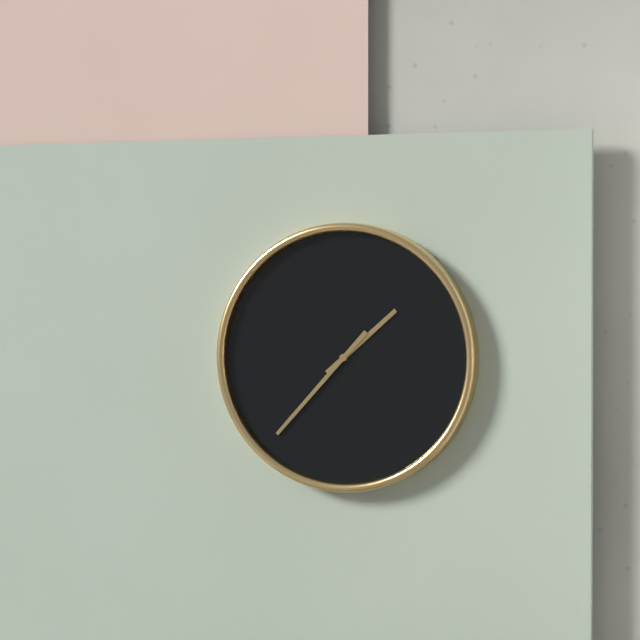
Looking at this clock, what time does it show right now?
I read 1:37
